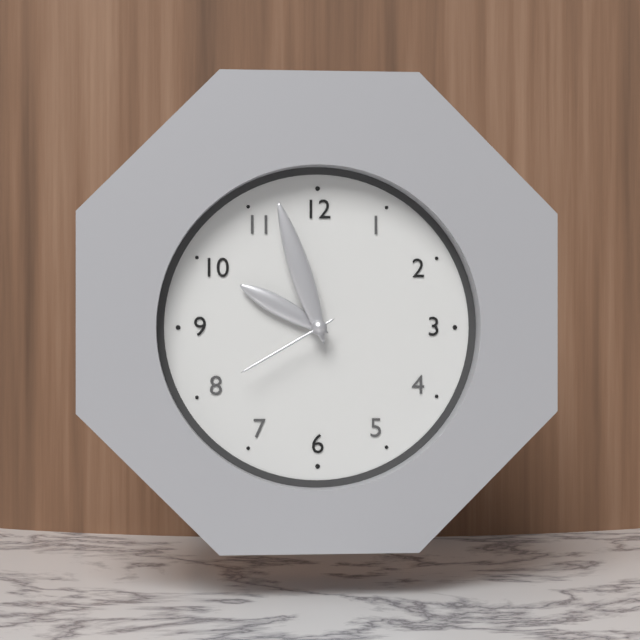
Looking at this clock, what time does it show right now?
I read 9:57:40
